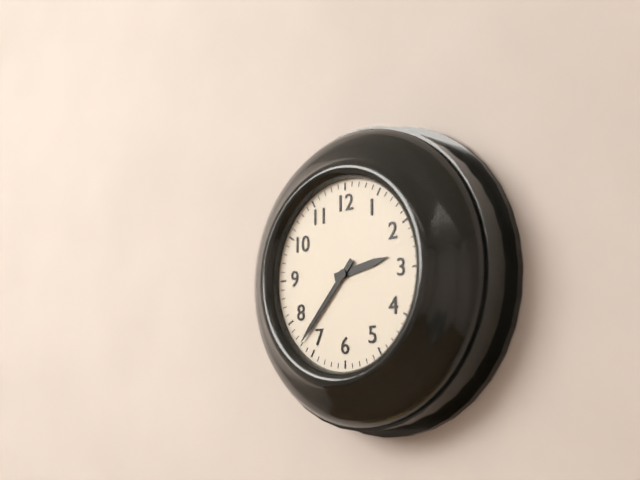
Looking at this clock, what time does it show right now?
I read 2:37
